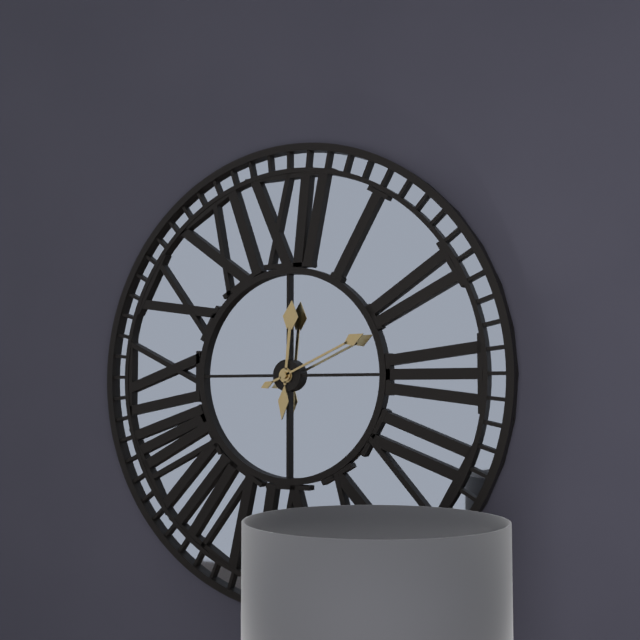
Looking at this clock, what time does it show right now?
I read 12:11
